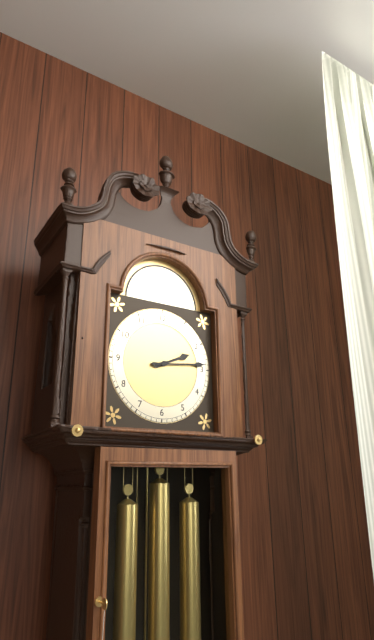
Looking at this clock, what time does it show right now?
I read 2:14
